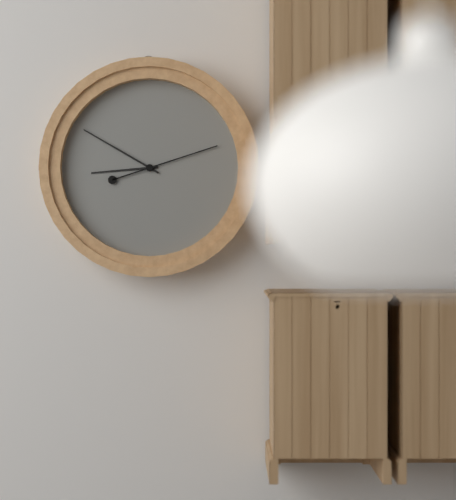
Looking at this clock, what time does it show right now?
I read 8:50:12
